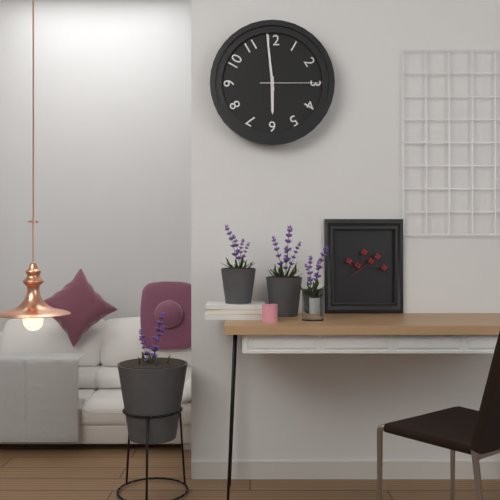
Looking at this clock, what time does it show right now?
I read 5:59:15
